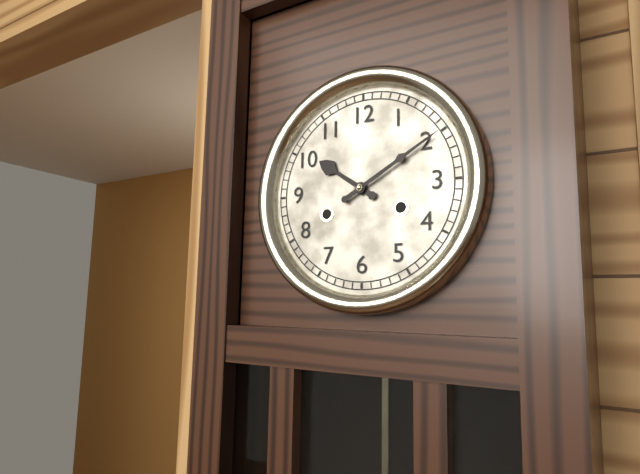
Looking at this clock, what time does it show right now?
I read 10:10
